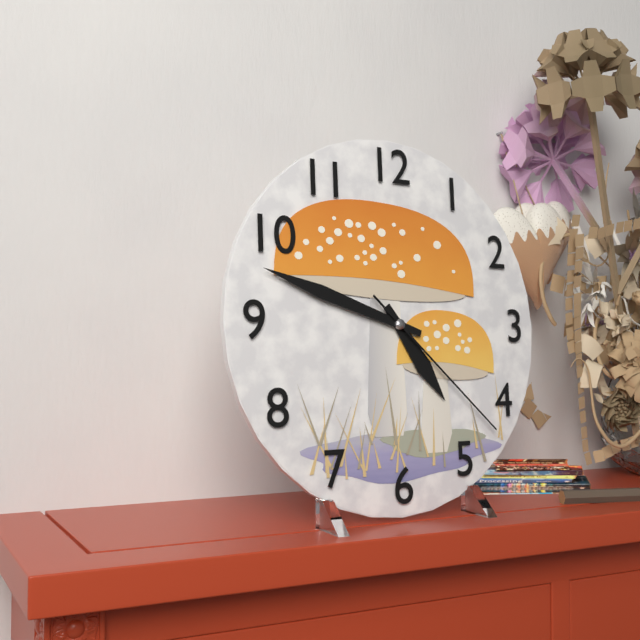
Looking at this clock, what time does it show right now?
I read 4:48:22
